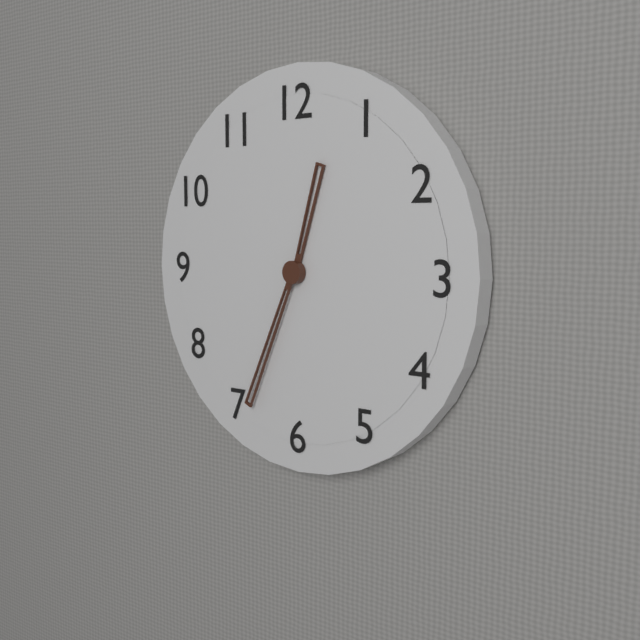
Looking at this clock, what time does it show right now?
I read 12:34
